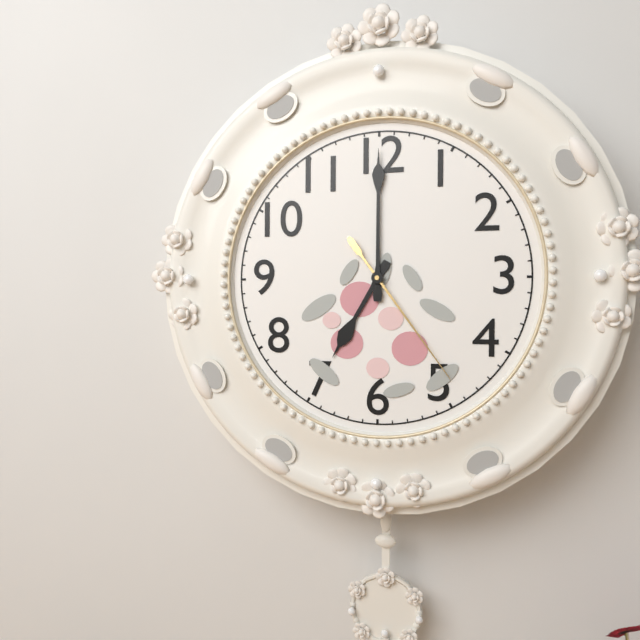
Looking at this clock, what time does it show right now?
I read 7:00:24
